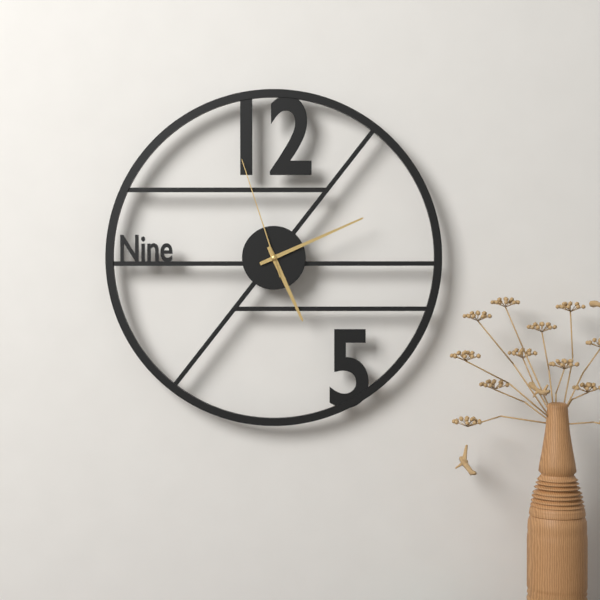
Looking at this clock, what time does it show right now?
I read 5:11:57
